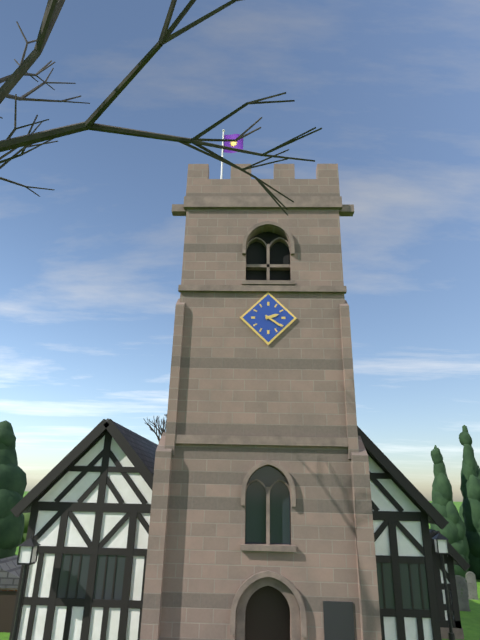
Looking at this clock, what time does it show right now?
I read 2:21
